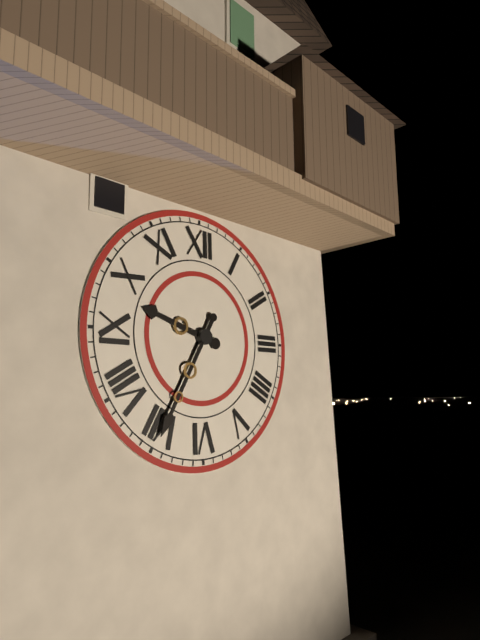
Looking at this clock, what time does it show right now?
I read 9:35
